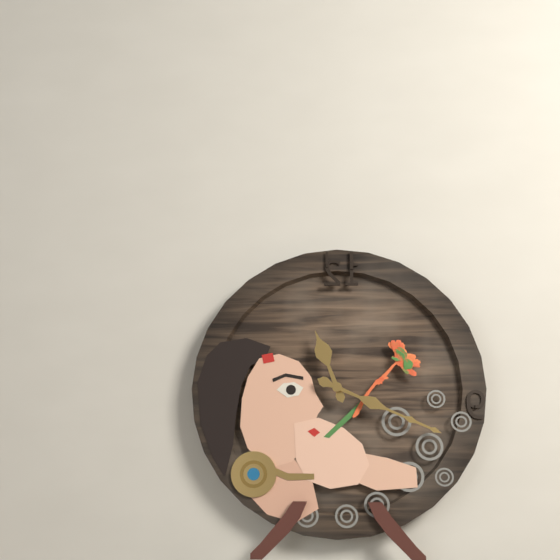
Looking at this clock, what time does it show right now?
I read 11:19
